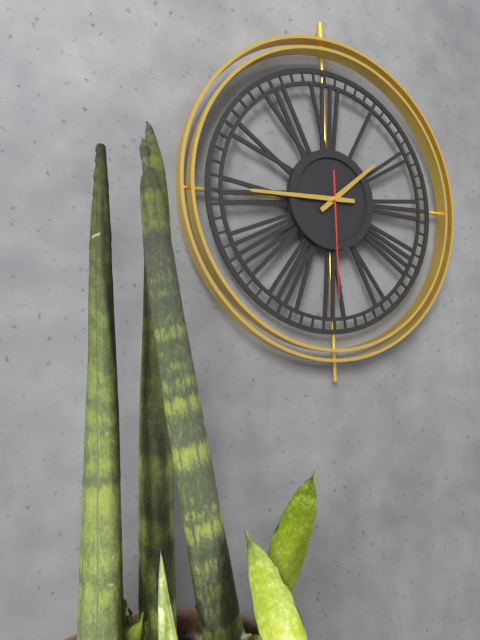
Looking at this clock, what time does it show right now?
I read 1:45:30
